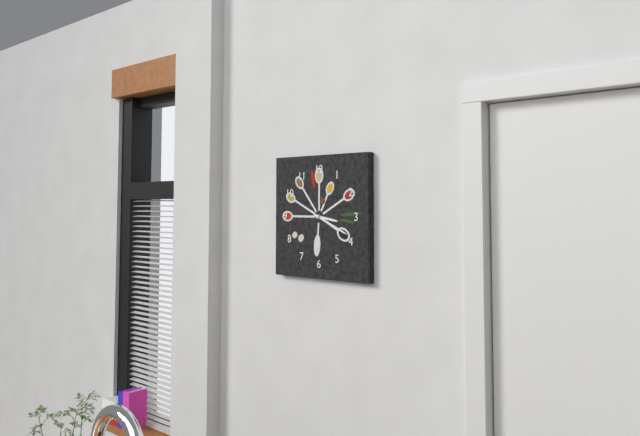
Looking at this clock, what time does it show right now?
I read 3:19
